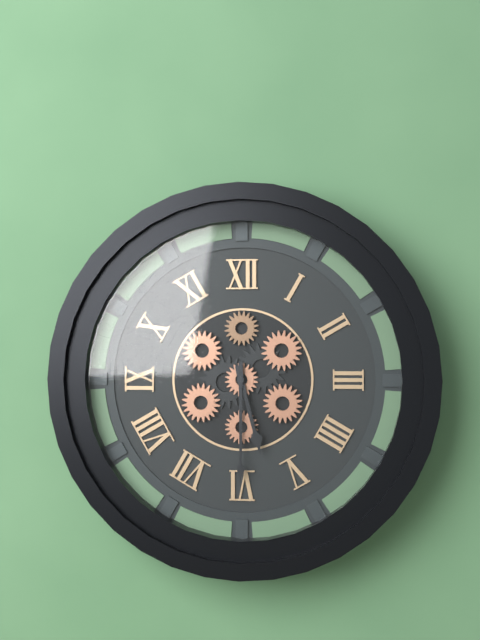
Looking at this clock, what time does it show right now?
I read 5:30
